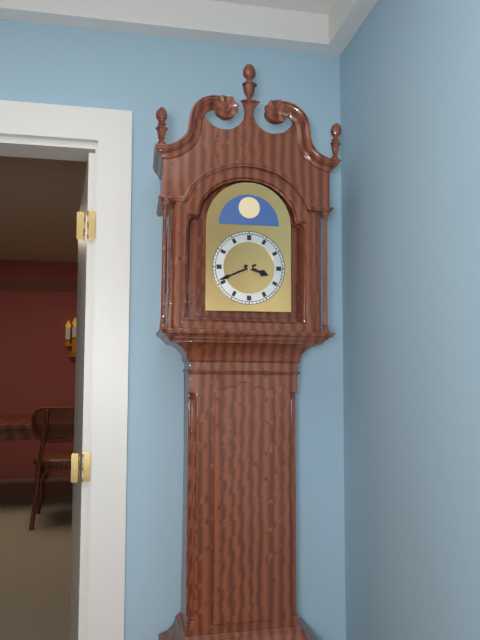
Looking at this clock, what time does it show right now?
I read 3:41
